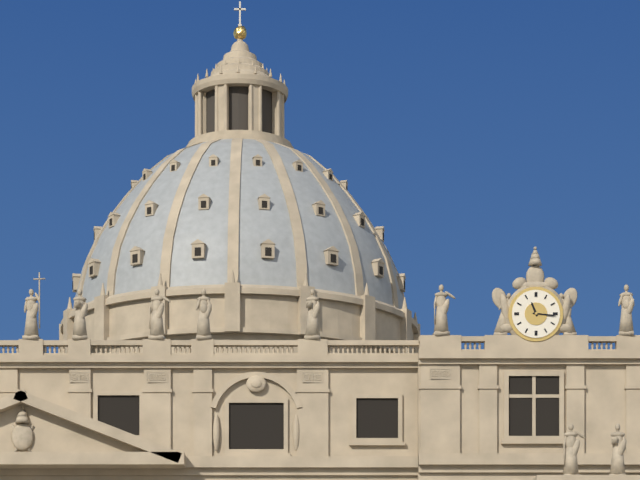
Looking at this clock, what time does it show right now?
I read 11:16
